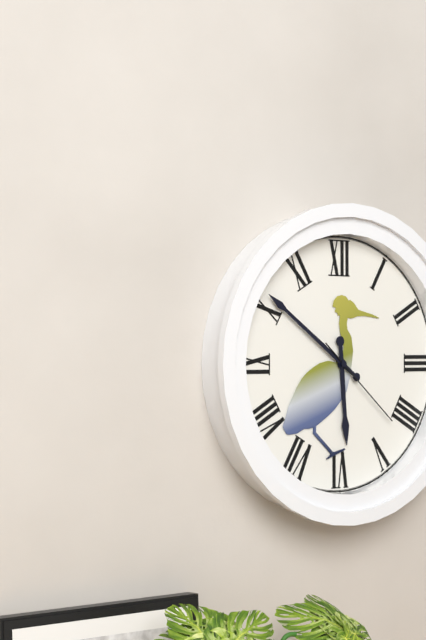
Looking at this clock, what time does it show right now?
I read 5:51:22
